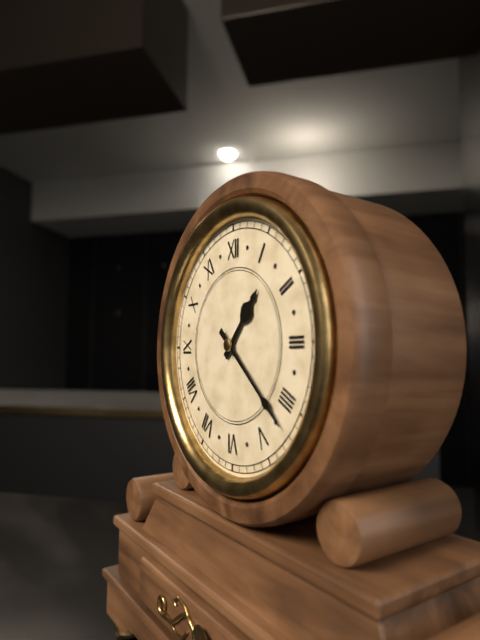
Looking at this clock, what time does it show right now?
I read 1:22
